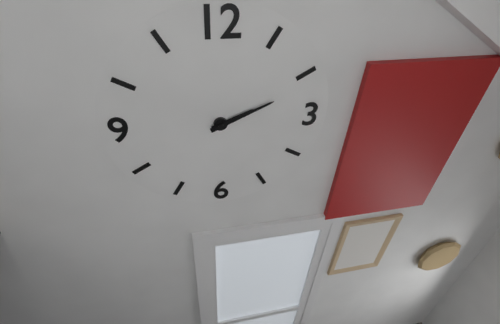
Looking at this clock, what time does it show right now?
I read 2:11
